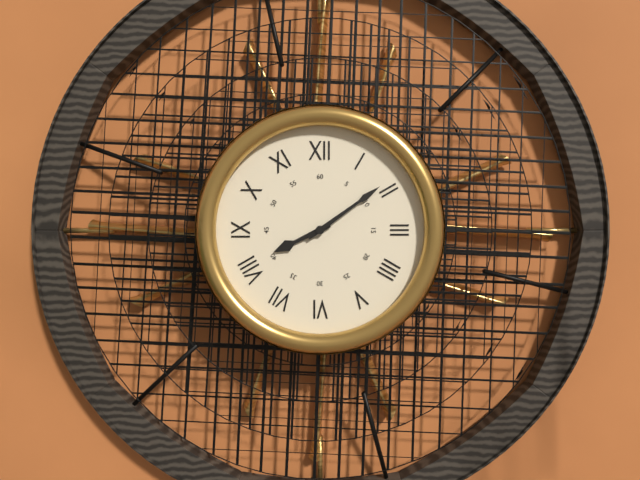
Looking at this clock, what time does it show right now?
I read 8:09
